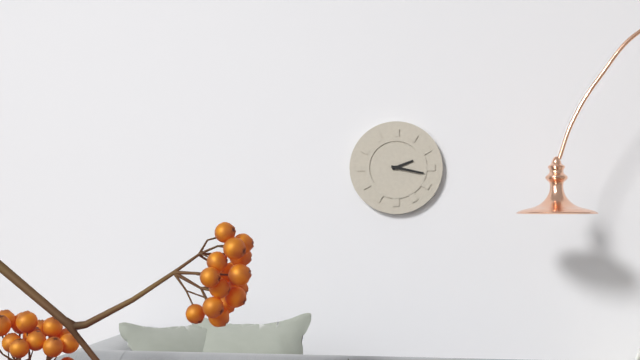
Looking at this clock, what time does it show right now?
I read 2:17
